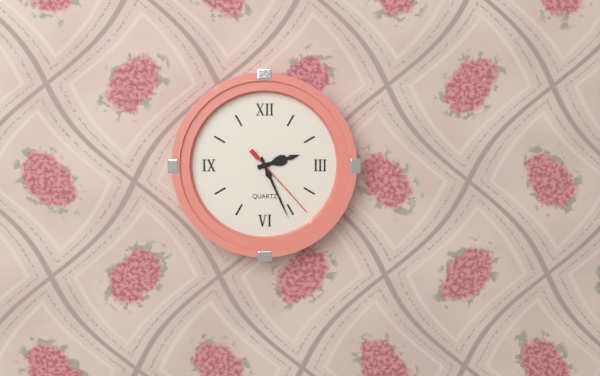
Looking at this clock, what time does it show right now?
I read 2:26:23
